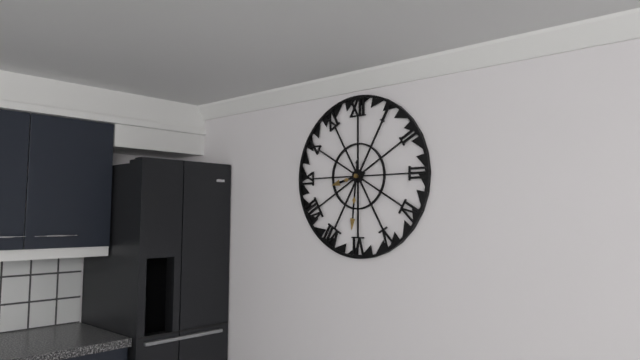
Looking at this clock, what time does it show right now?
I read 8:31
